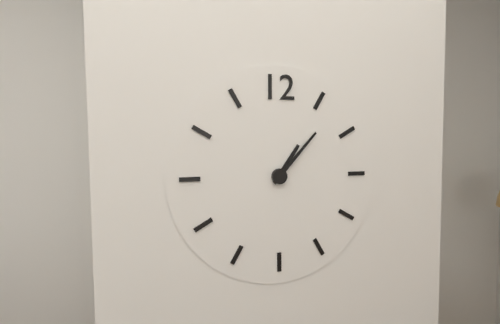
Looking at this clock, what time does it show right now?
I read 1:07
